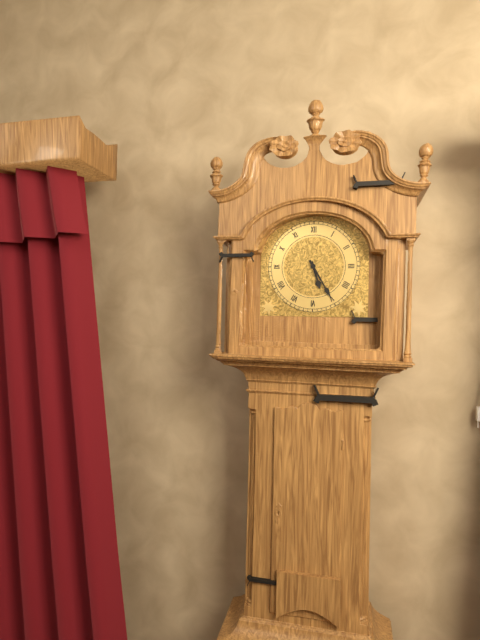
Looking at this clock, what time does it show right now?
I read 5:25
